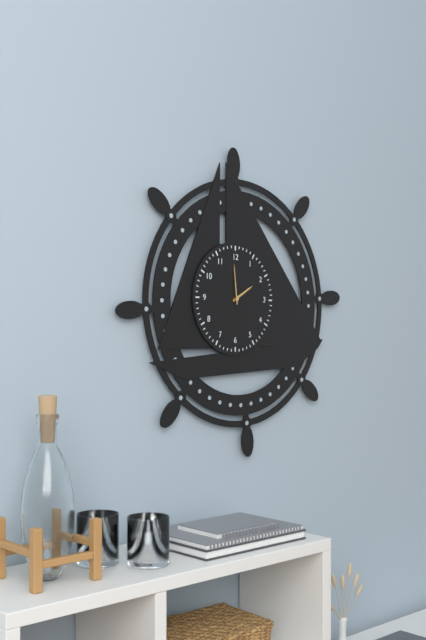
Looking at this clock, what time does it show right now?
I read 1:59
